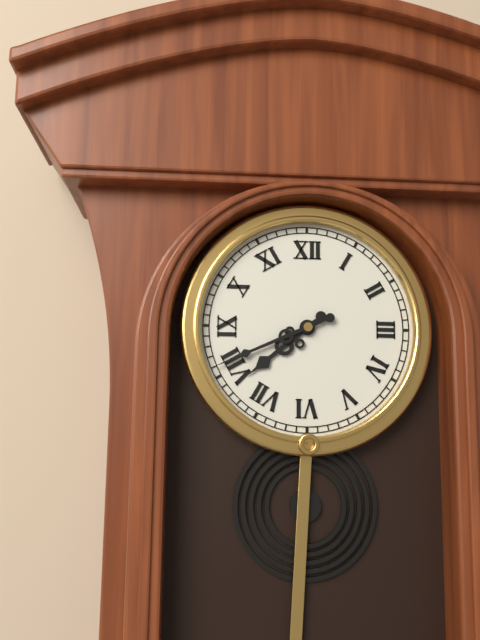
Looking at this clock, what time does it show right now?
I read 7:41
